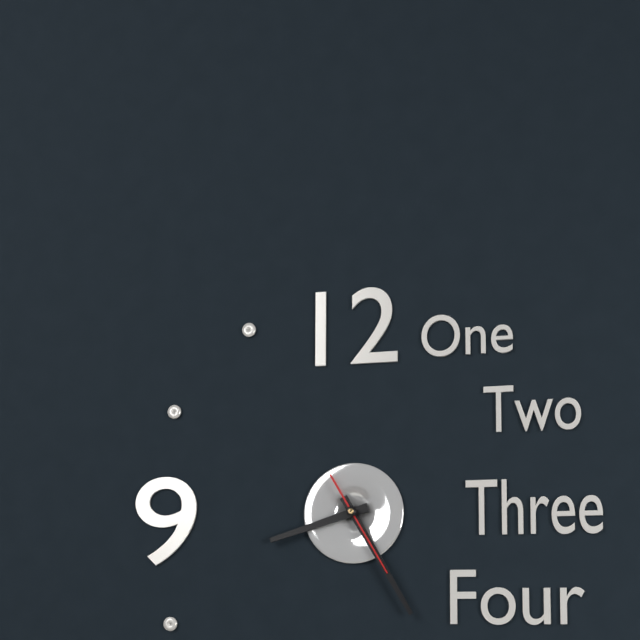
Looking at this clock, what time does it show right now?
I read 8:25:25
